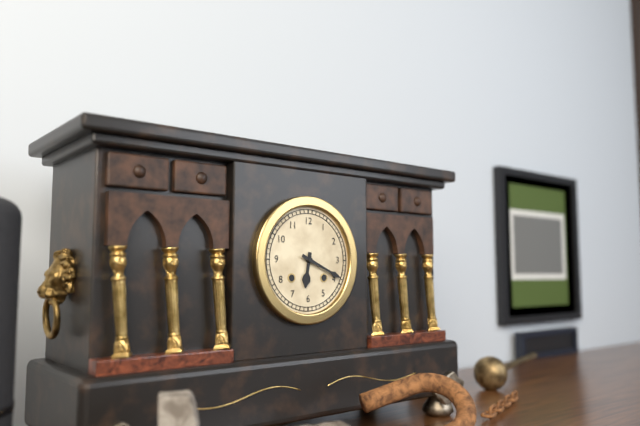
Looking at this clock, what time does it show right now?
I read 6:19
